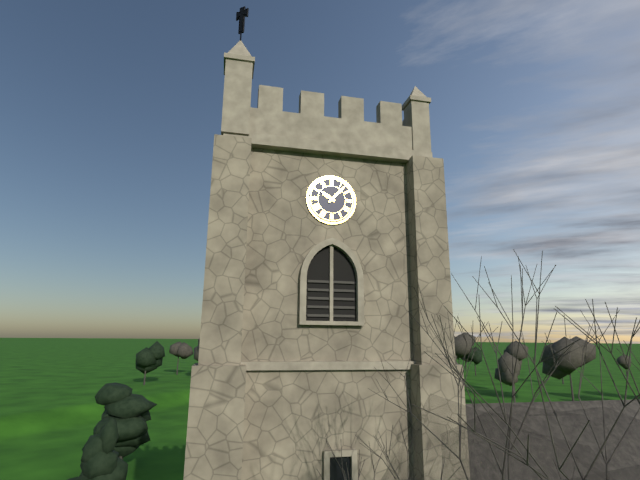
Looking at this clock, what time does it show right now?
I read 10:07
